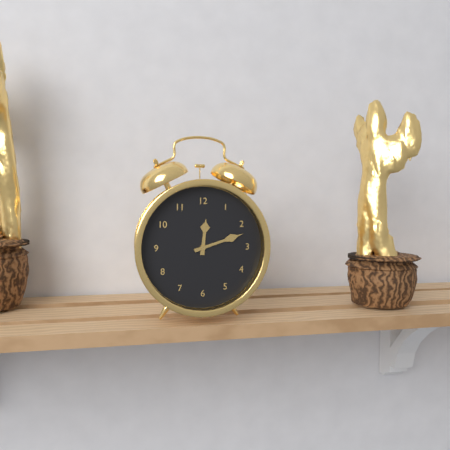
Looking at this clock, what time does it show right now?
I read 12:12
